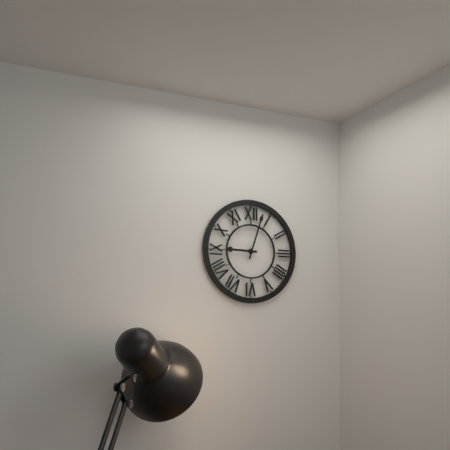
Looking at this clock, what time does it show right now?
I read 9:03
